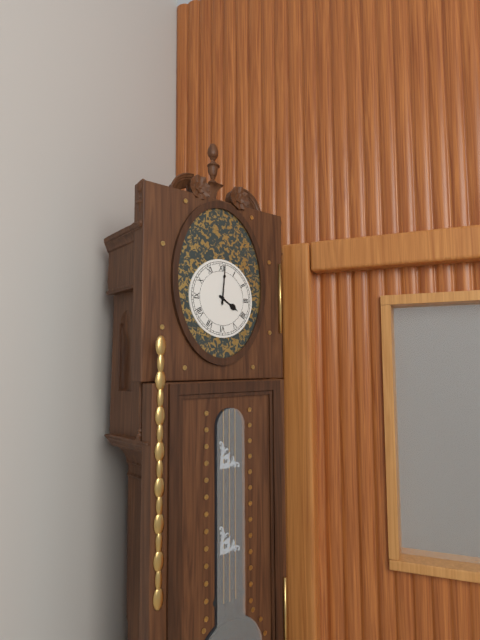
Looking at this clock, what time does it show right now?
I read 4:01
